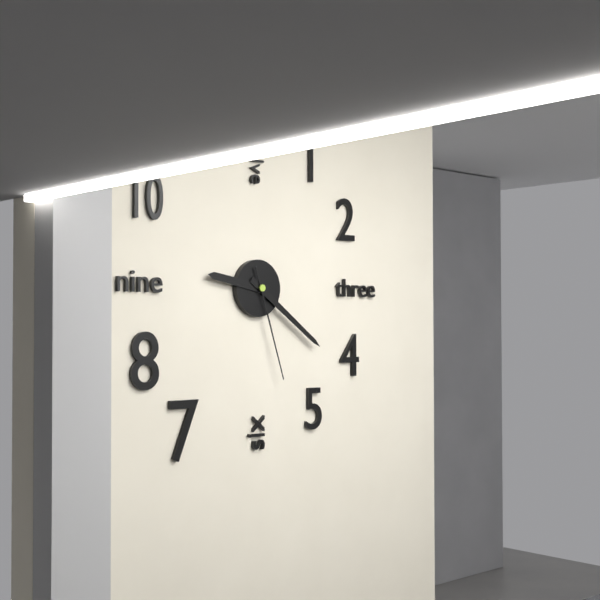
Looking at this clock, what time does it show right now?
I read 9:21:27
